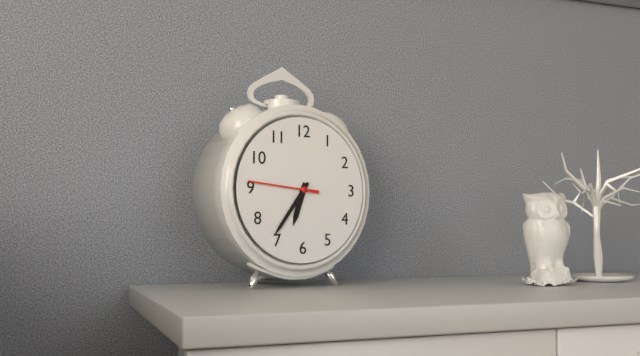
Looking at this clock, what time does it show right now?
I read 6:36:46
